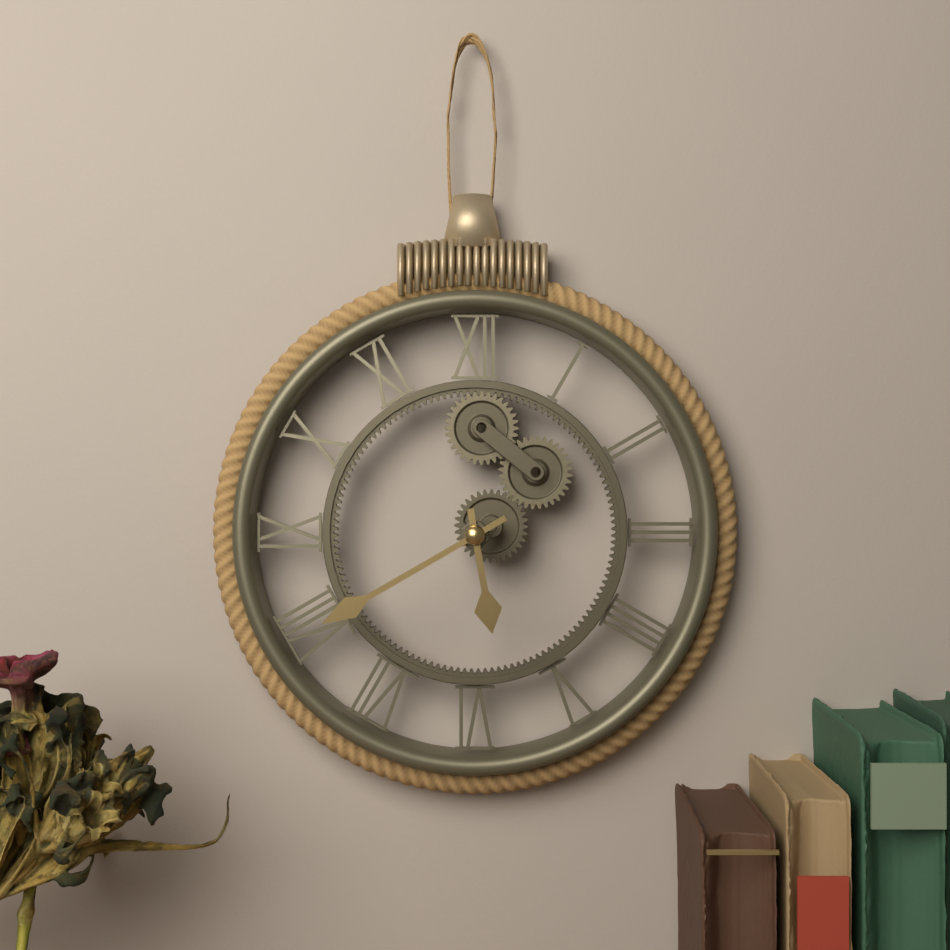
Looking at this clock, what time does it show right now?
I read 5:40
